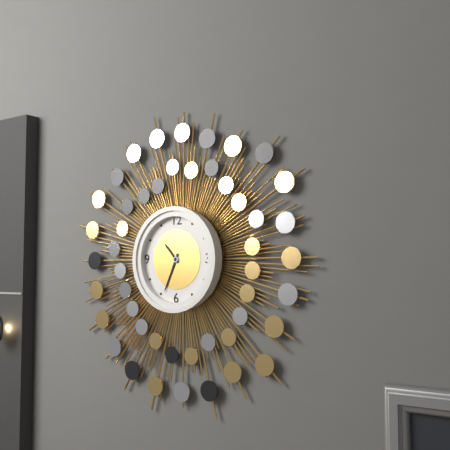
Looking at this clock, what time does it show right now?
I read 10:34
